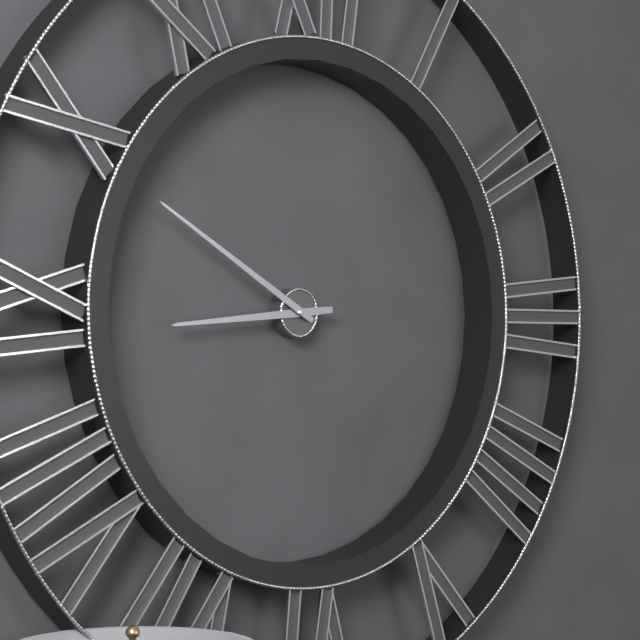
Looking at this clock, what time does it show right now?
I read 8:50
